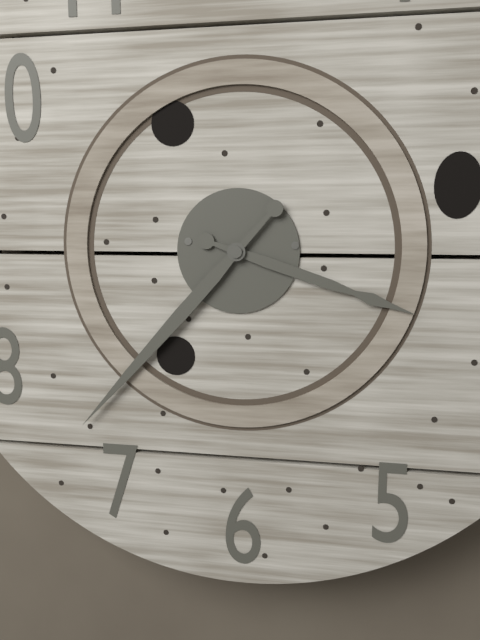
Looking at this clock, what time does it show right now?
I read 3:37
